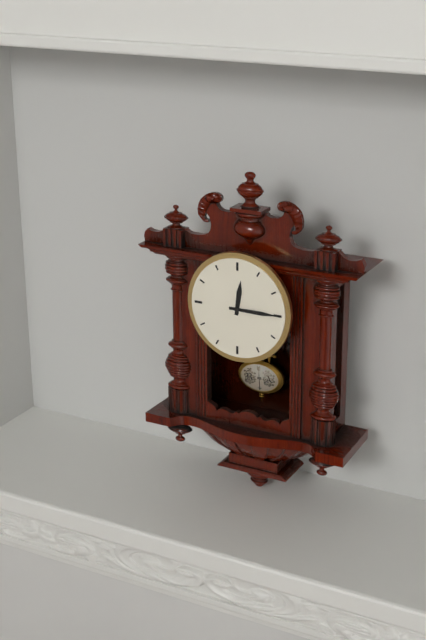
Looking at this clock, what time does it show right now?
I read 12:15
